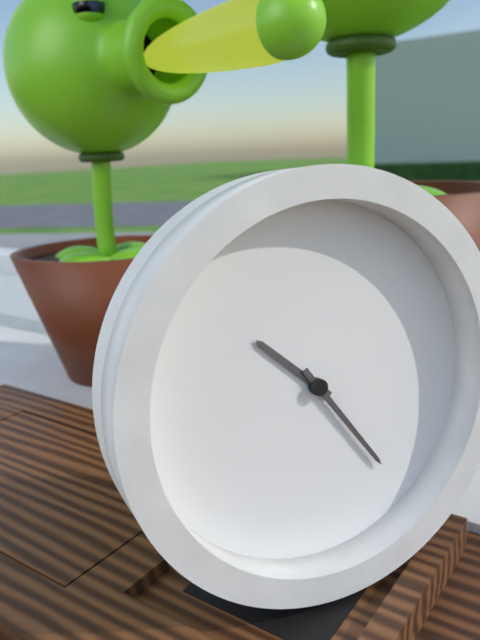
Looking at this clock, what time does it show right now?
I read 10:24
